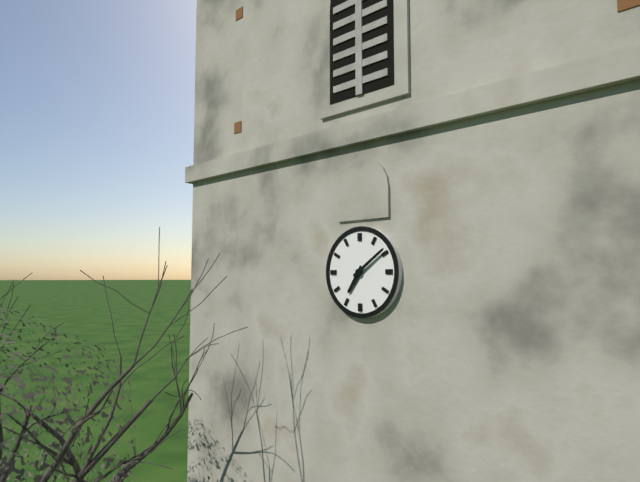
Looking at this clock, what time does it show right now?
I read 7:09
